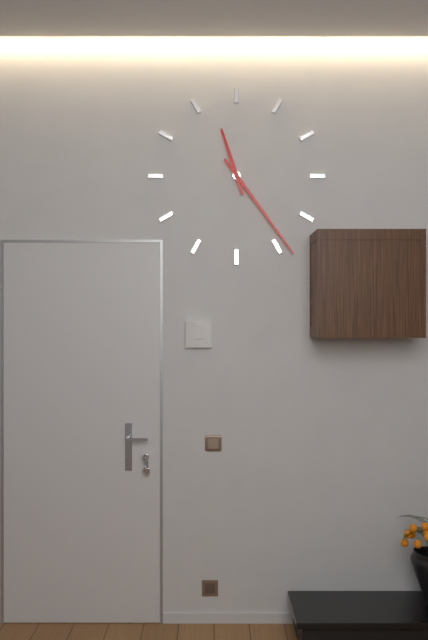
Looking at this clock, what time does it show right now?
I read 11:24
